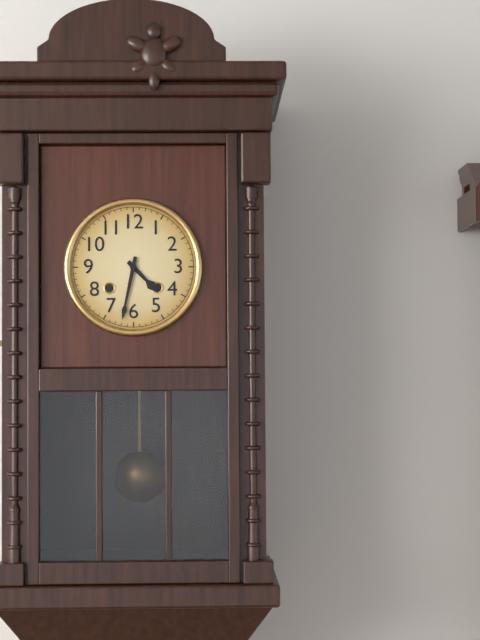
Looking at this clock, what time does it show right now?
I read 4:32
